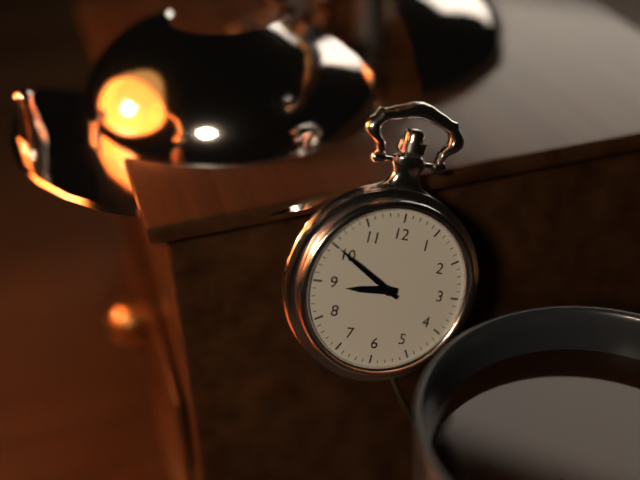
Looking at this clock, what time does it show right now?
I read 8:50
